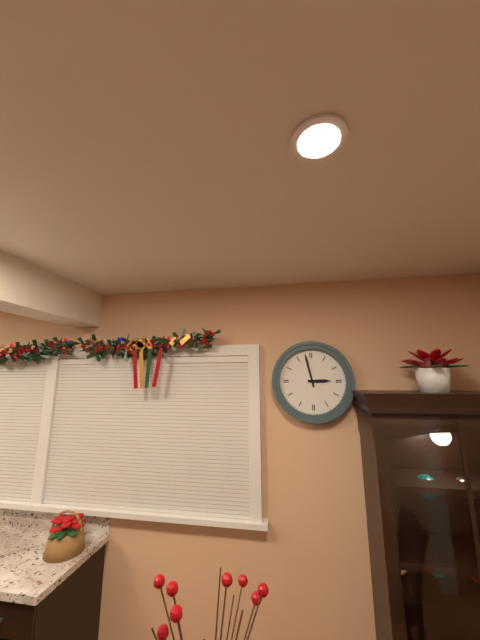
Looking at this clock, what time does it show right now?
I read 2:58
